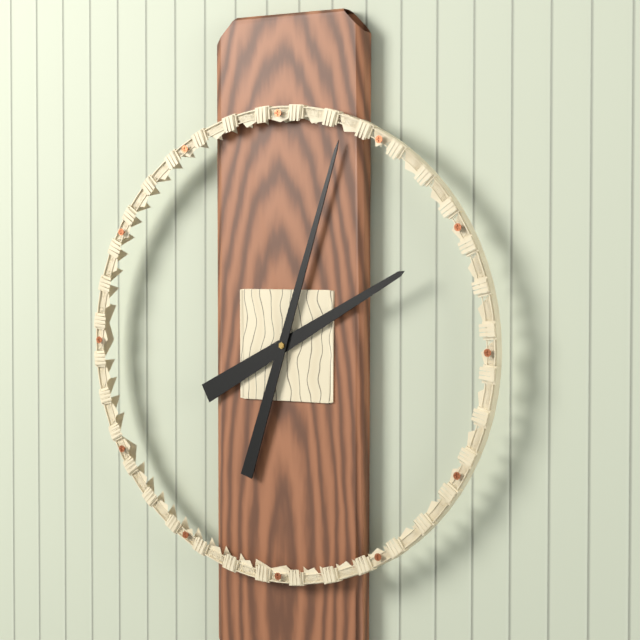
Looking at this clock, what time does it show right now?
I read 2:03
